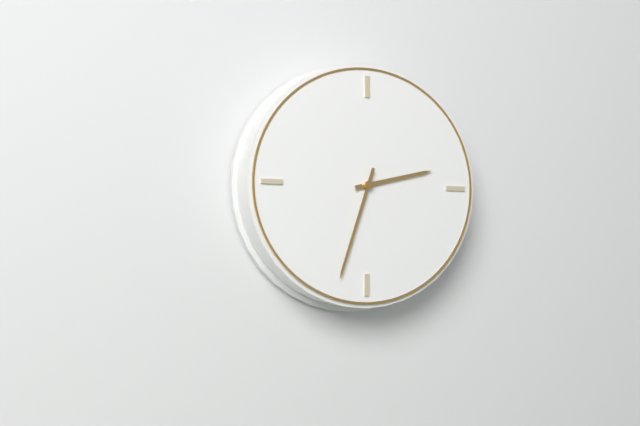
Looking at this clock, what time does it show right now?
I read 2:33
